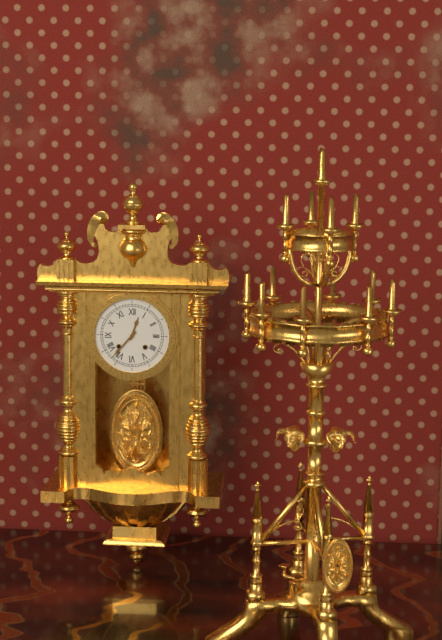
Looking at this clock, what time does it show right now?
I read 12:37
